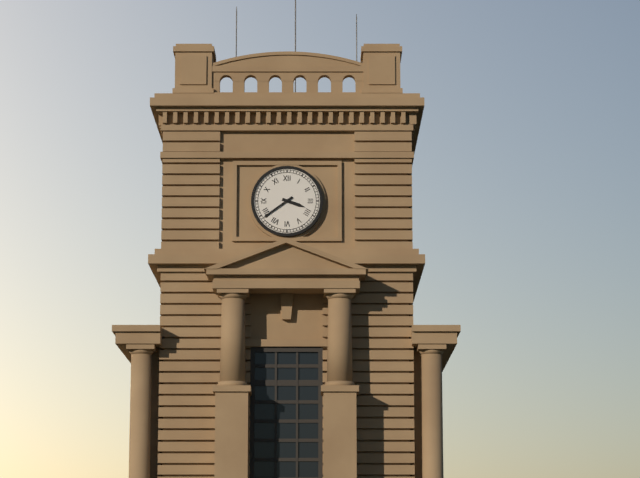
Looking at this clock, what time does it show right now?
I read 3:39
